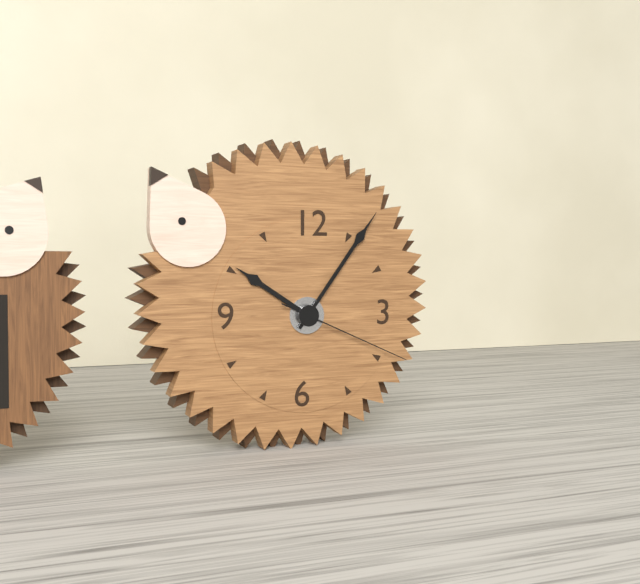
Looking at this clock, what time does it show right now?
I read 10:06:19
